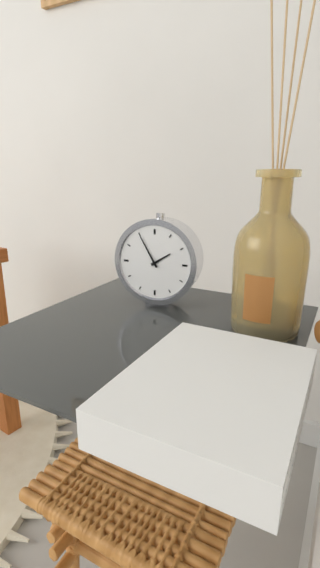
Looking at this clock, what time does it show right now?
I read 1:55
